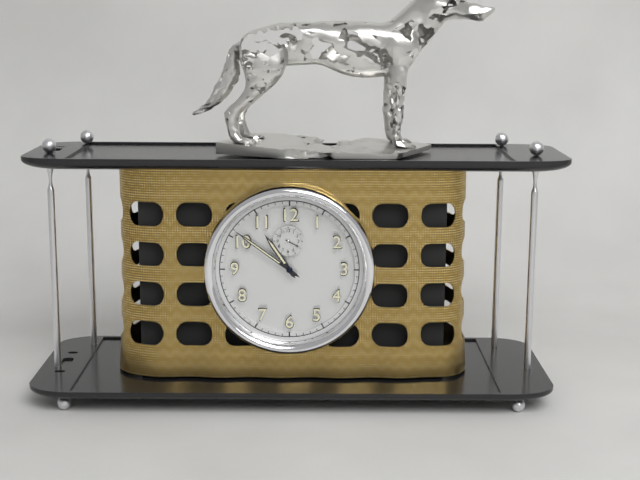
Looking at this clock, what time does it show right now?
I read 10:51
